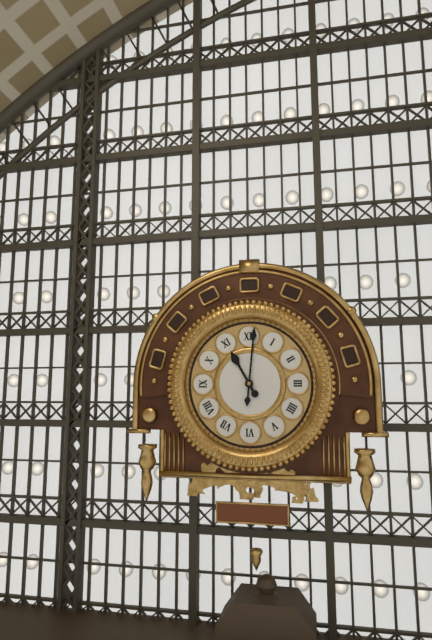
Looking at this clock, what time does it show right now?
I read 11:01
